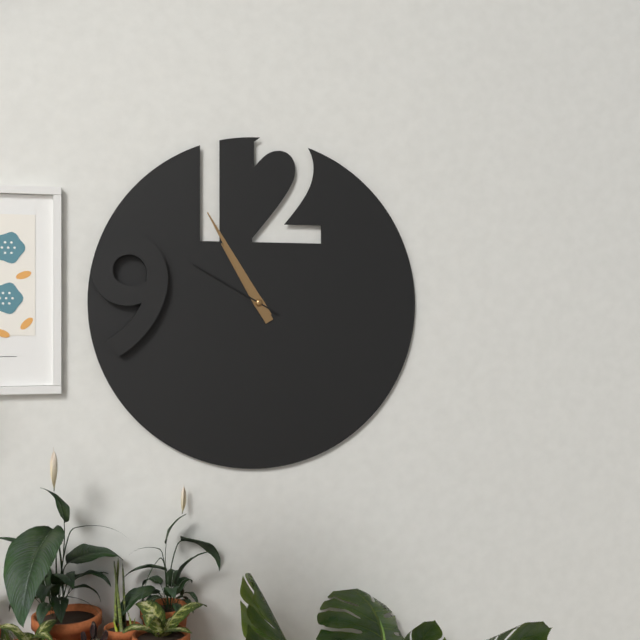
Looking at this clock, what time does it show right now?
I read 10:55:50
